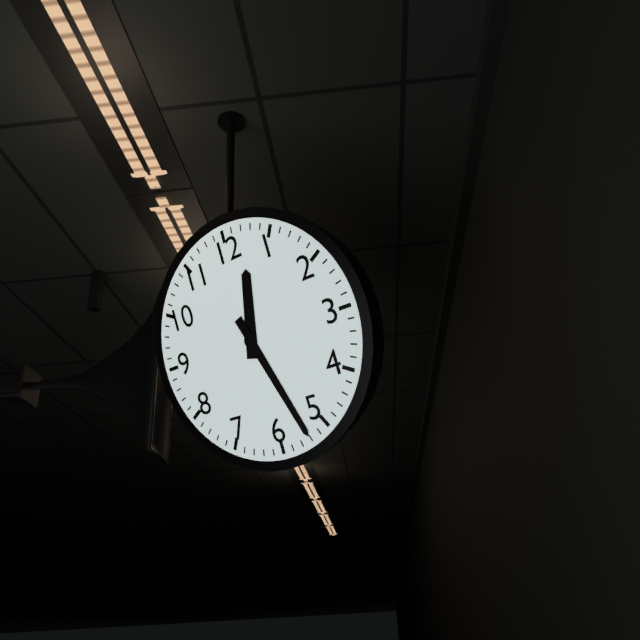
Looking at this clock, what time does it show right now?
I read 12:27
